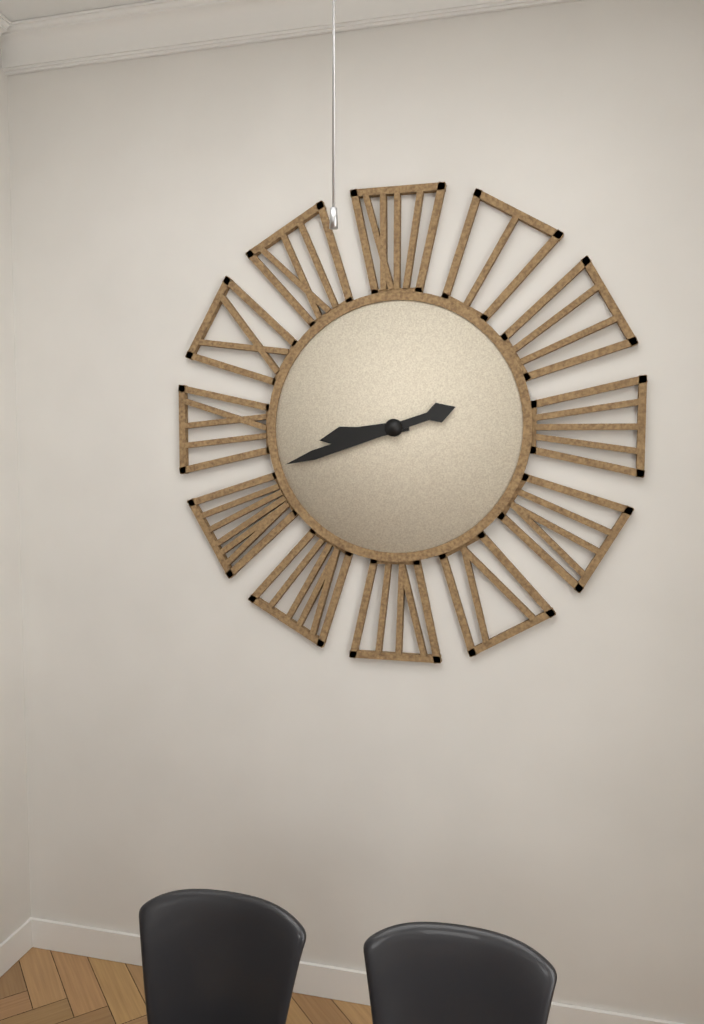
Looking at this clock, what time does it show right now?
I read 8:42
